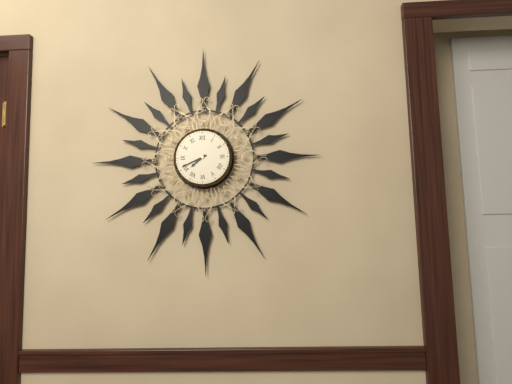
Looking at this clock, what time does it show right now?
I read 7:41
